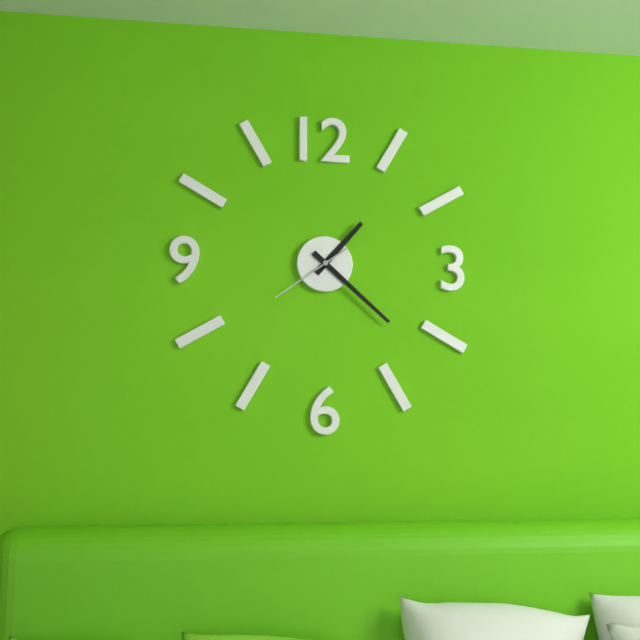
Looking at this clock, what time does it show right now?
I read 1:22:39
